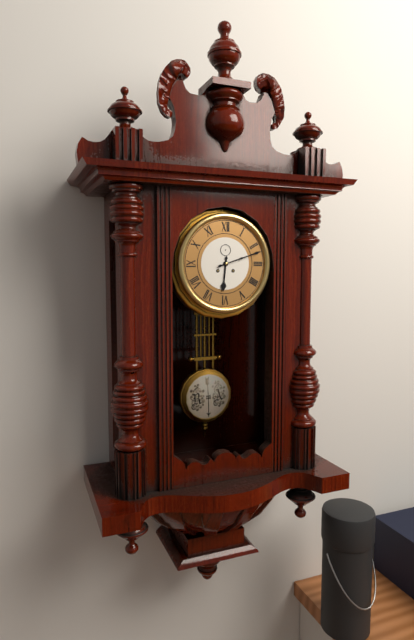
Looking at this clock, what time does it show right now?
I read 6:12
